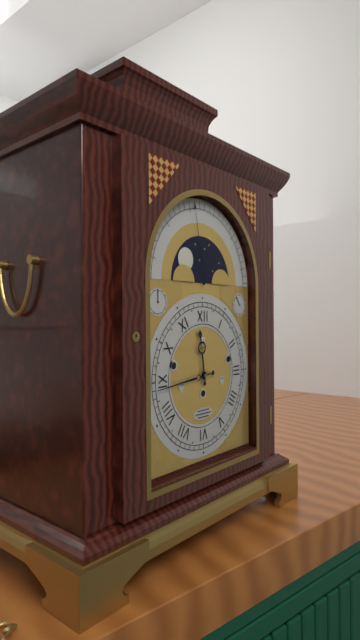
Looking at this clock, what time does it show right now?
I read 11:44
